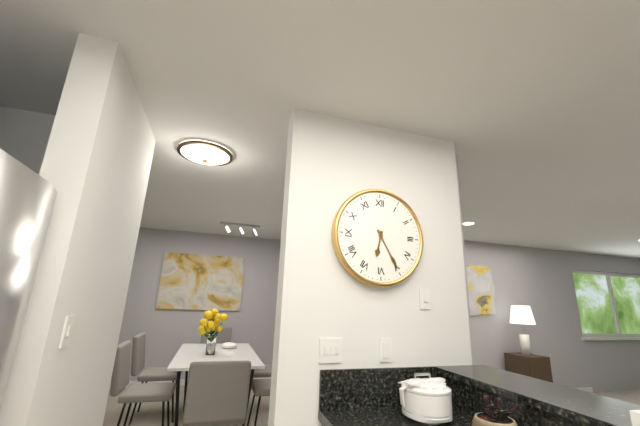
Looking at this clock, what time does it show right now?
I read 6:25
